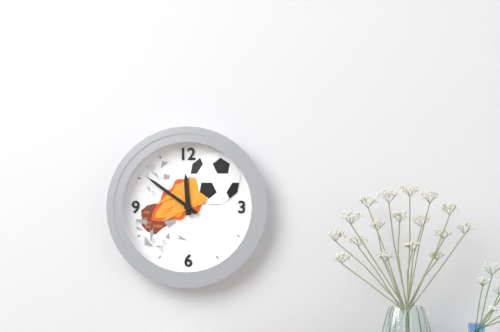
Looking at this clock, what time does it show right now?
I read 11:51
